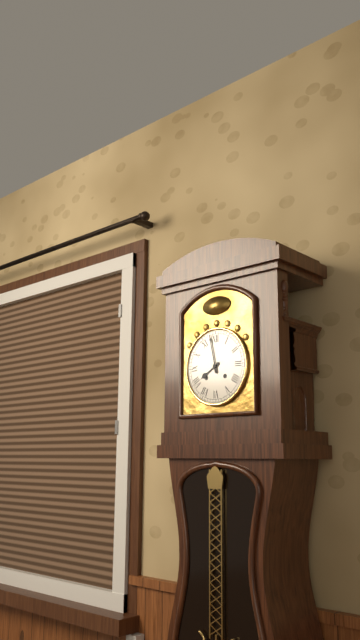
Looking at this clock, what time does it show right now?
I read 7:58
